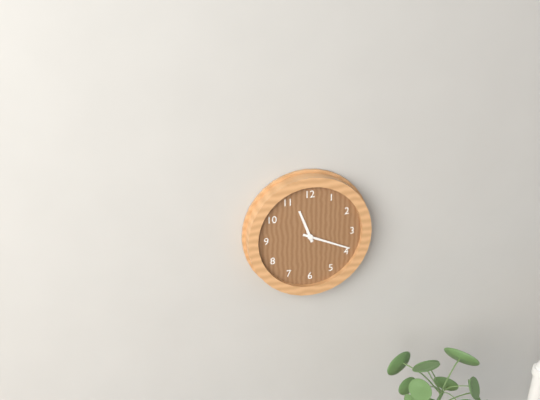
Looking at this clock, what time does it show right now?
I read 11:19
